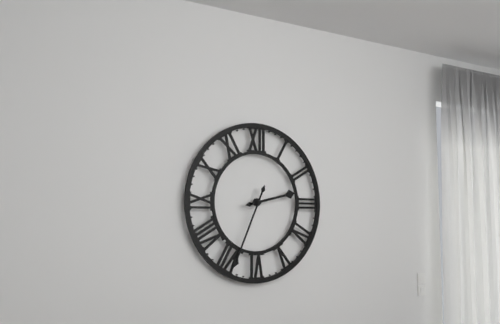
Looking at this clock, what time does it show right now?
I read 2:34
